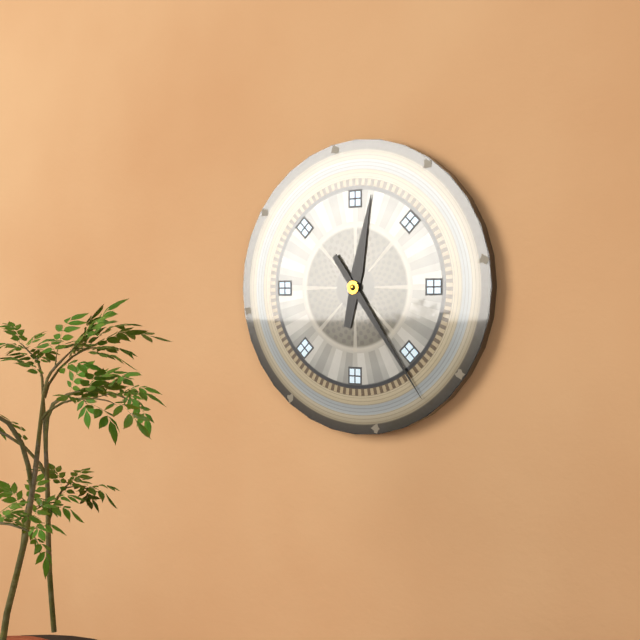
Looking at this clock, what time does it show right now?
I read 12:24
